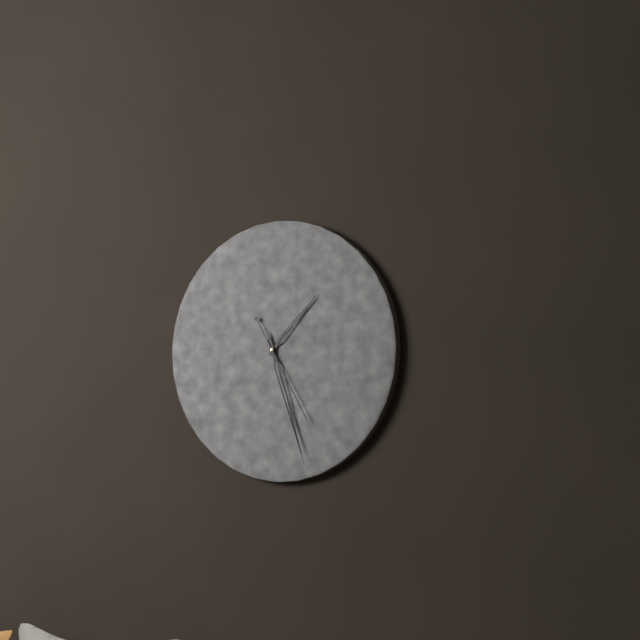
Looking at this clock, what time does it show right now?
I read 1:27:25
